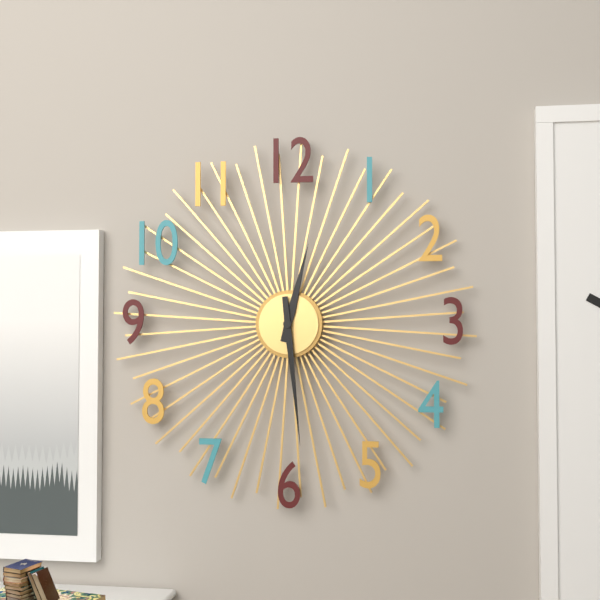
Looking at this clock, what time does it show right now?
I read 12:29
